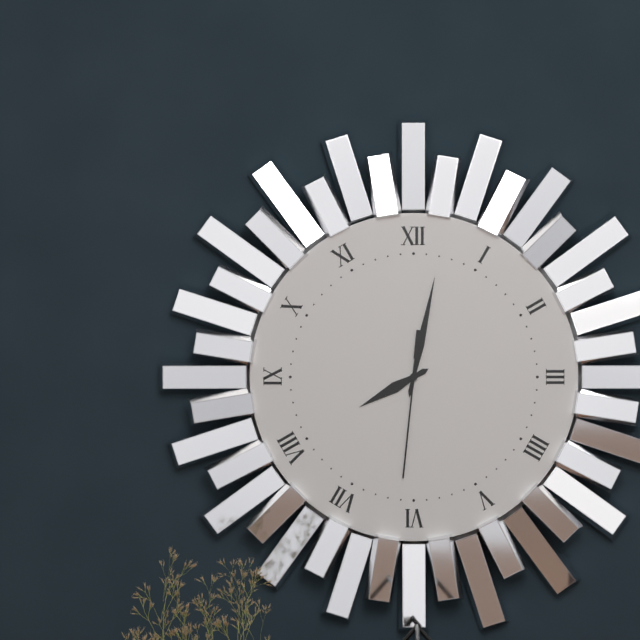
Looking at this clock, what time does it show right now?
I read 8:02:31
